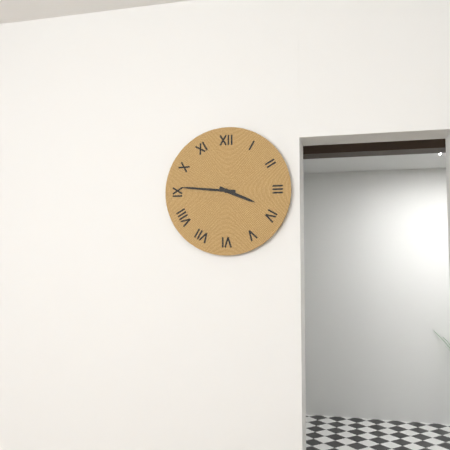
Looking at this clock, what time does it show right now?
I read 3:46
